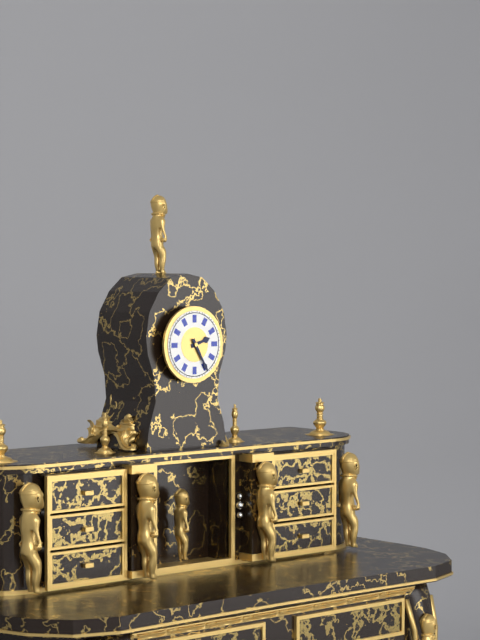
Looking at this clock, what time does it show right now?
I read 2:25
